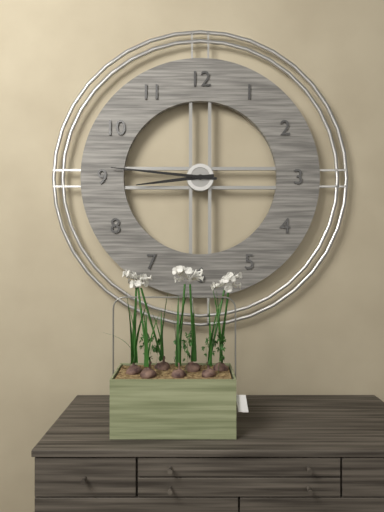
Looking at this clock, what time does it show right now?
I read 8:46
